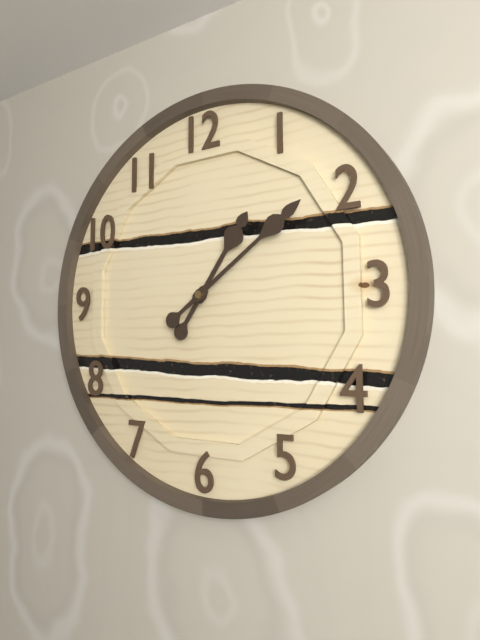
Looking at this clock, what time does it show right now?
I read 1:09
